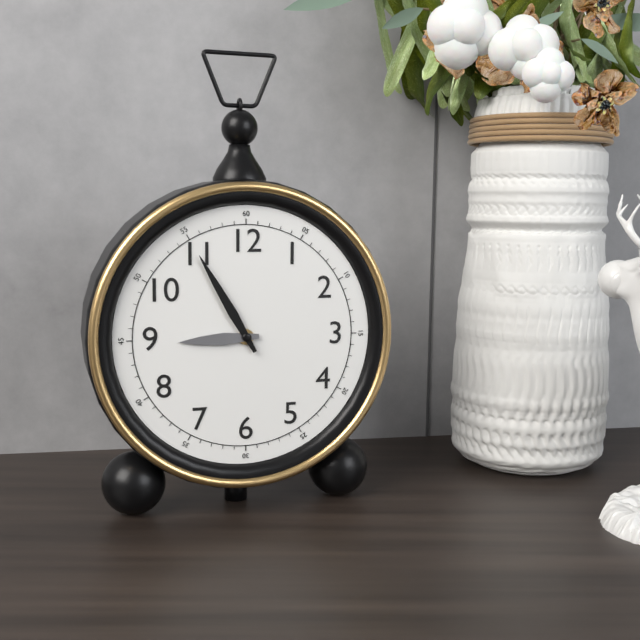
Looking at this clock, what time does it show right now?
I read 8:55
